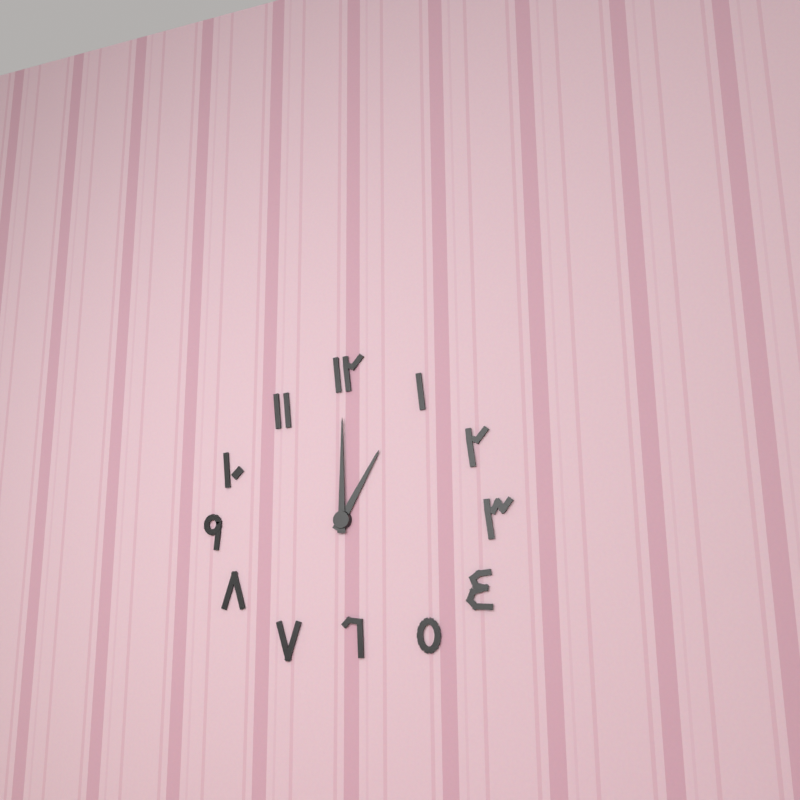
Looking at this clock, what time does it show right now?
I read 1:00
